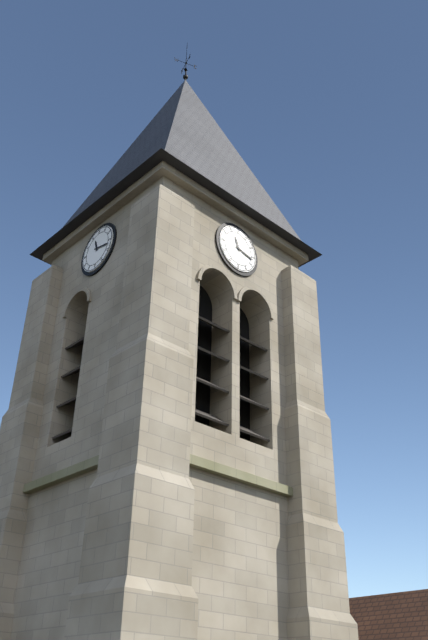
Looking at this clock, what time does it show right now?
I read 11:17
